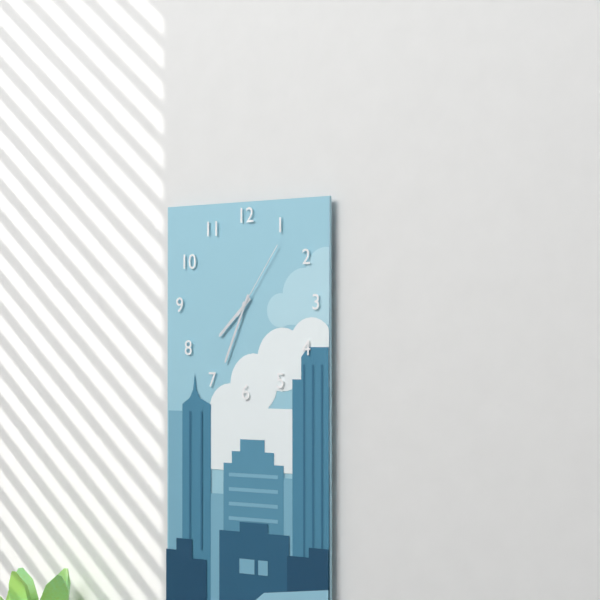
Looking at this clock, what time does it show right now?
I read 7:34:06
